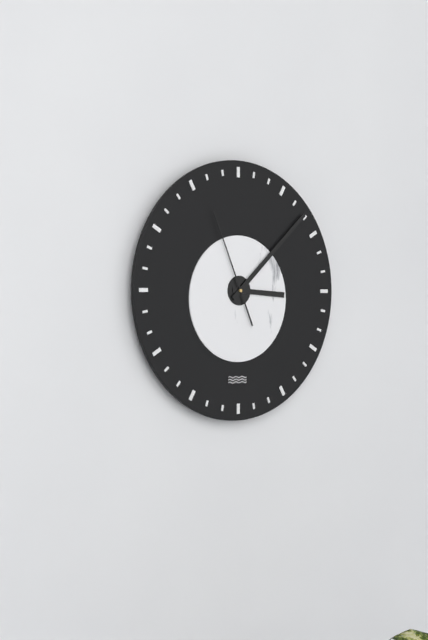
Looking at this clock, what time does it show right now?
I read 3:08:56
